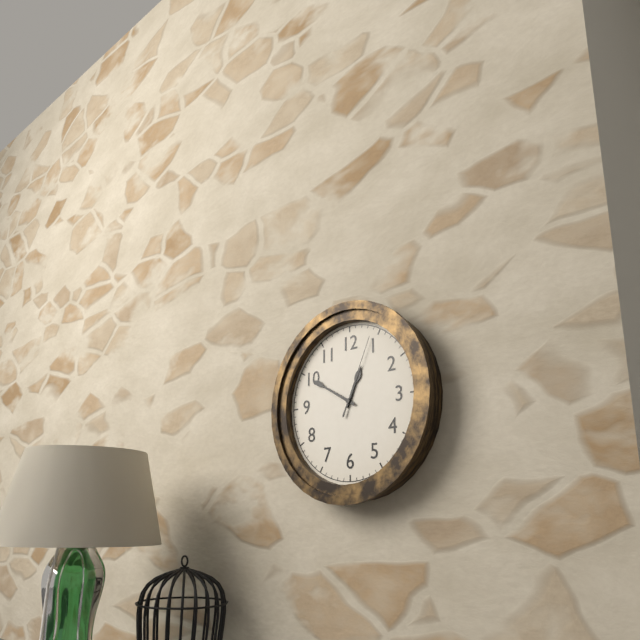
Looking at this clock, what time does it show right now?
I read 12:50:04
